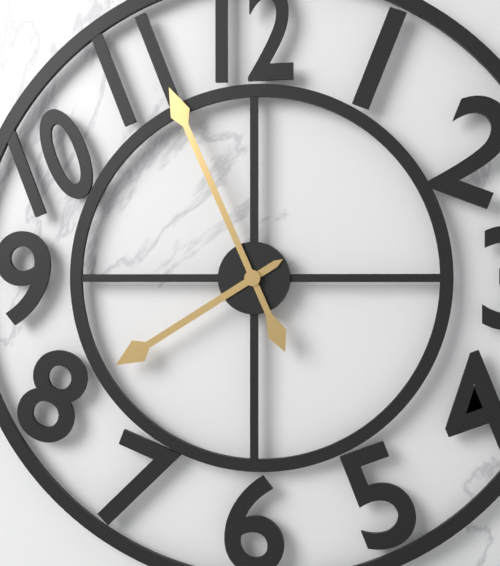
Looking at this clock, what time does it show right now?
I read 7:56
